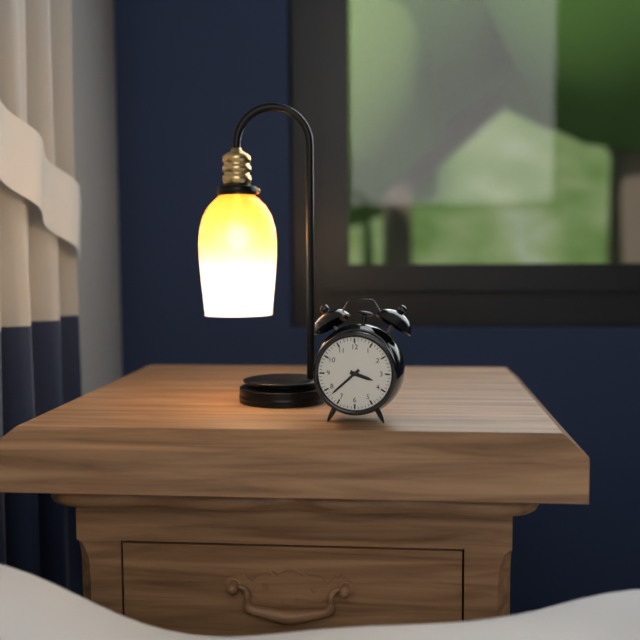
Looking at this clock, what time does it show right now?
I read 3:38
